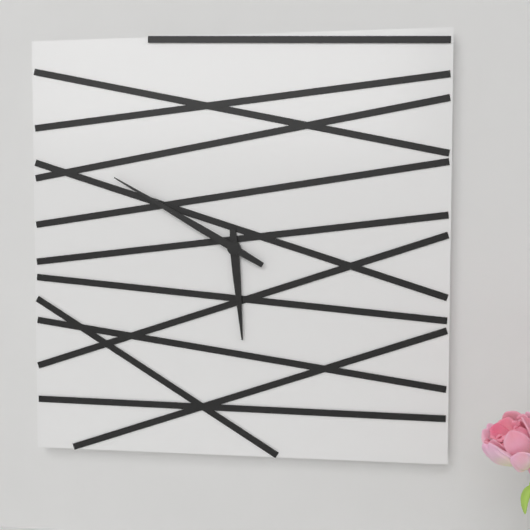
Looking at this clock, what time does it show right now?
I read 5:50
